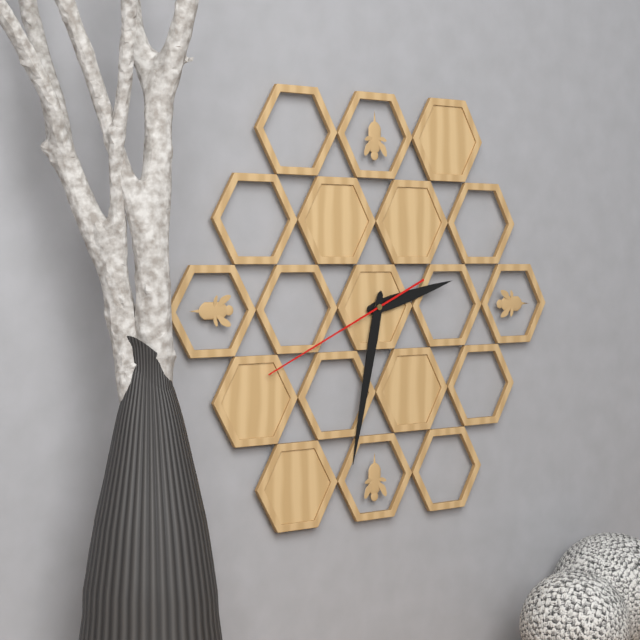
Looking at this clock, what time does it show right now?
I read 2:32:41
